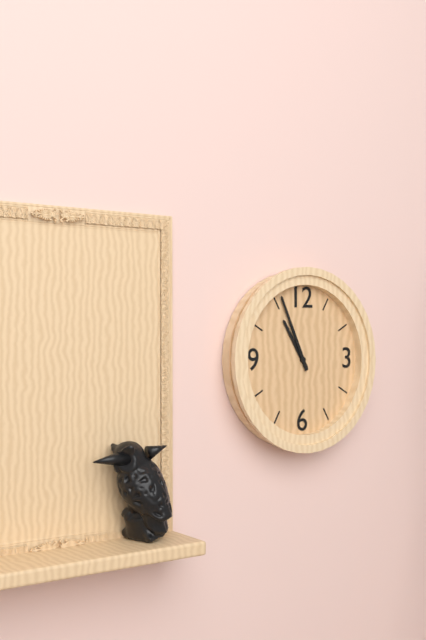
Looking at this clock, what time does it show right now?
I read 10:56
